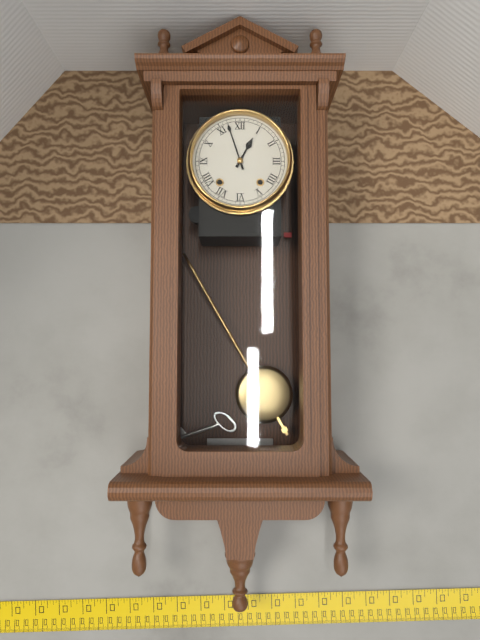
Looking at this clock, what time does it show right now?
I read 12:57
